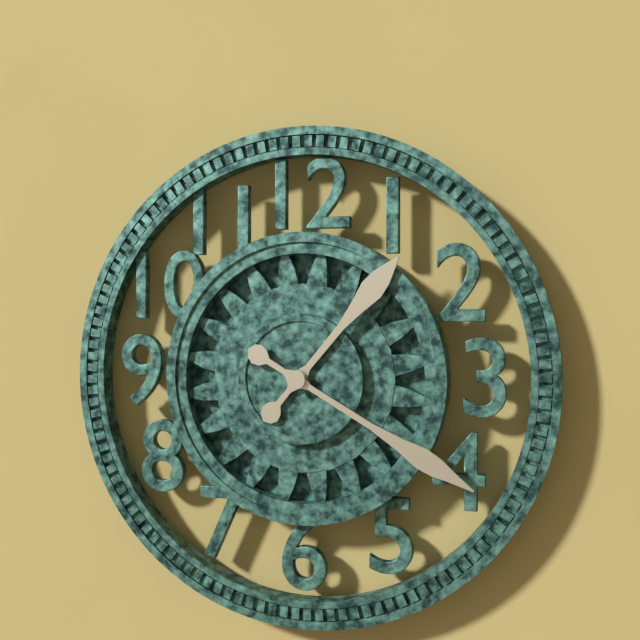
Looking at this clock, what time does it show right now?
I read 1:20
